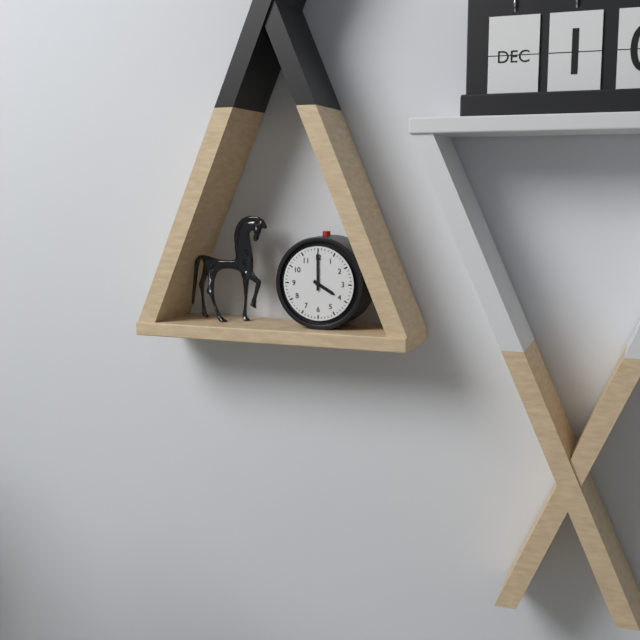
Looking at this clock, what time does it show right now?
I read 4:00
